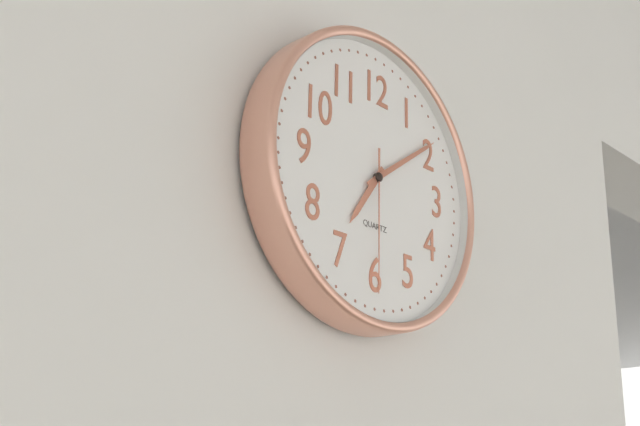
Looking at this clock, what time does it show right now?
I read 7:09:30
